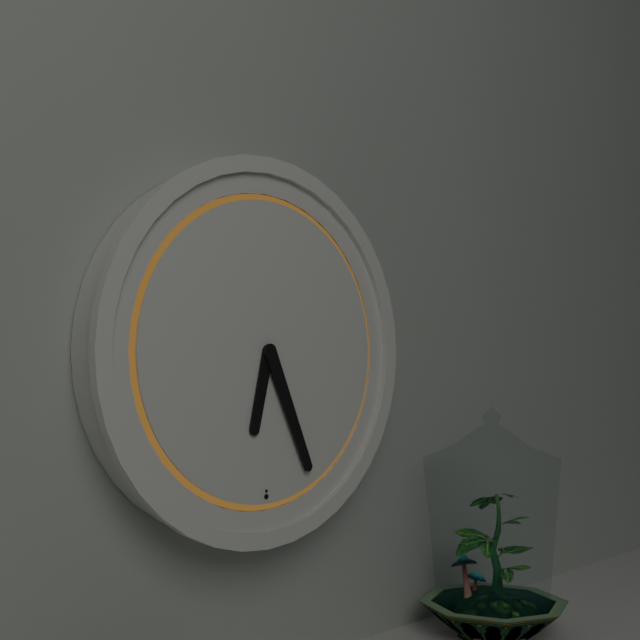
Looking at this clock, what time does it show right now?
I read 6:26
